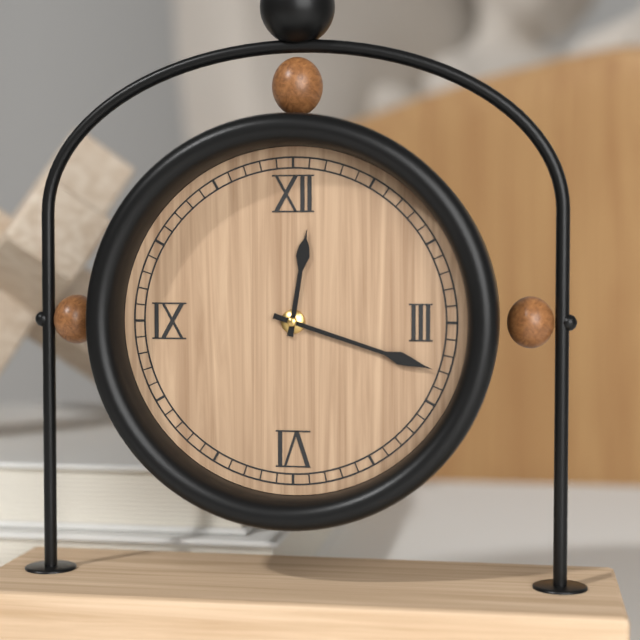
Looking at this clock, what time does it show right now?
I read 12:18
